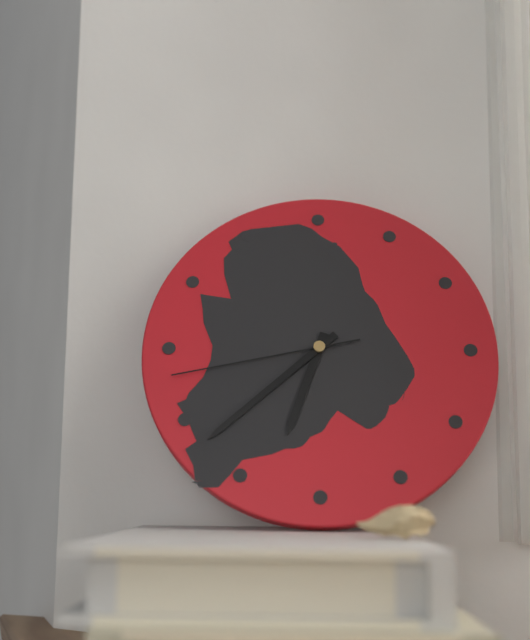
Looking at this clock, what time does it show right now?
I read 6:38:43
